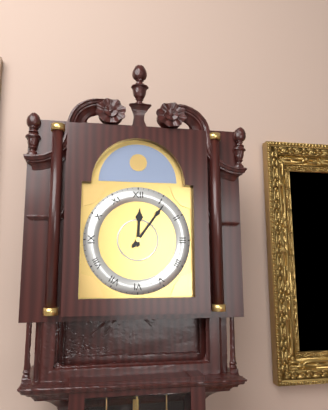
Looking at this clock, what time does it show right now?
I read 12:06
